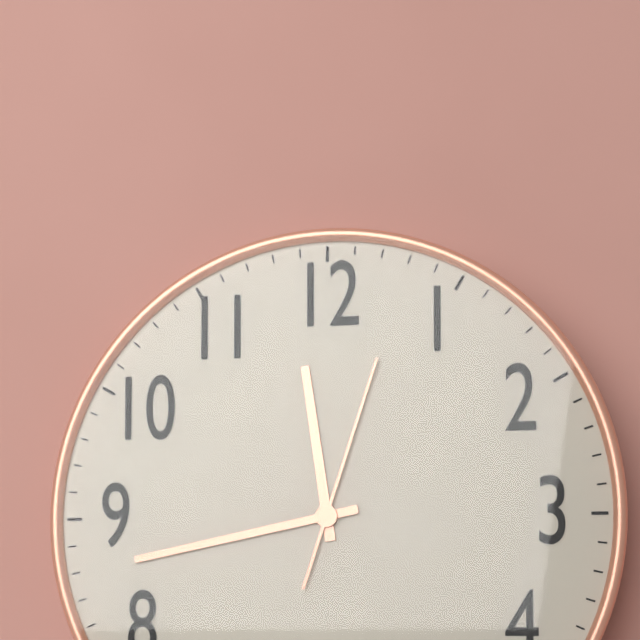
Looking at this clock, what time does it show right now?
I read 11:43:03
